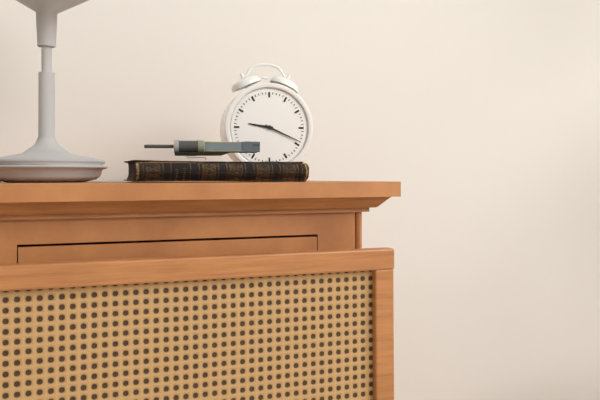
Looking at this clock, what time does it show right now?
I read 9:19
